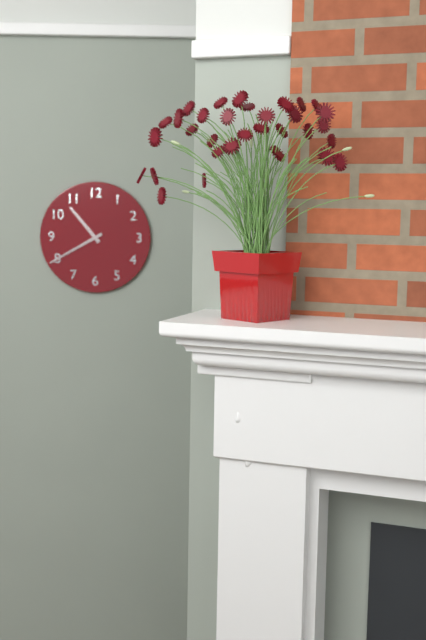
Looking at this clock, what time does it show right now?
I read 10:40
